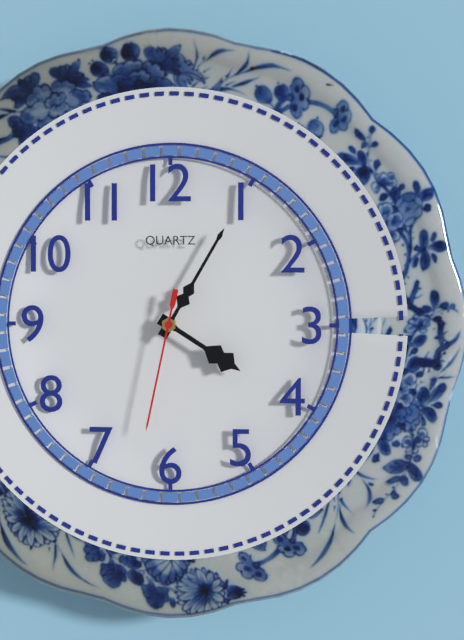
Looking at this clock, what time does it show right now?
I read 4:05:32
